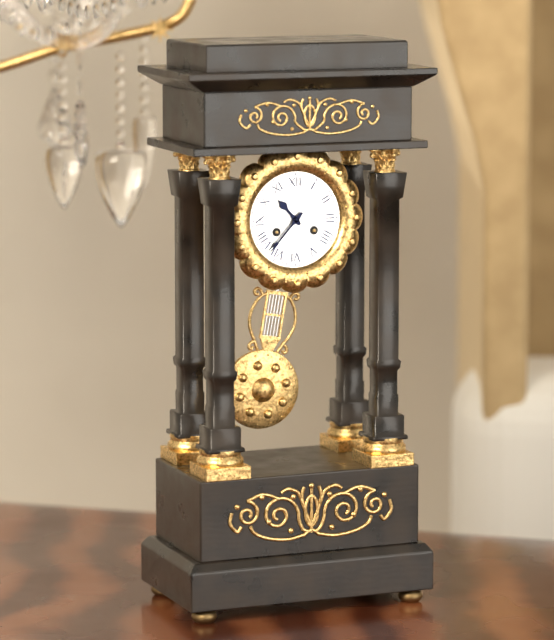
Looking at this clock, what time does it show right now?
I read 10:37
